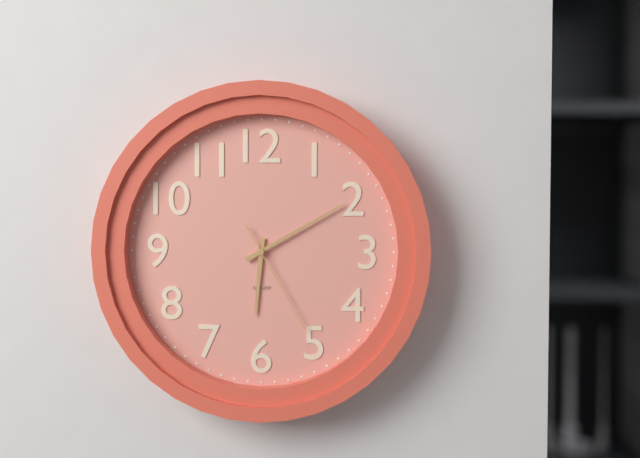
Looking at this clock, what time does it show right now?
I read 6:10:25
